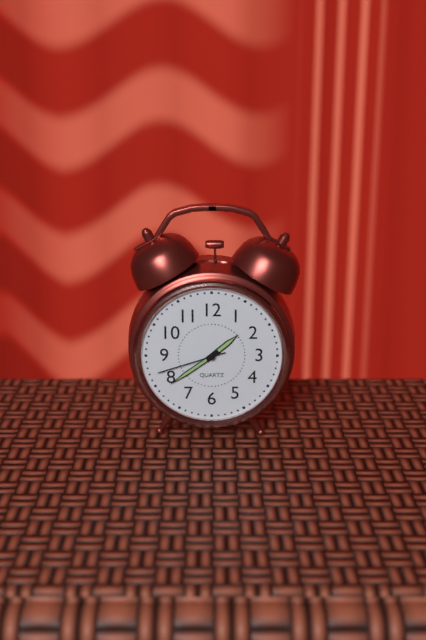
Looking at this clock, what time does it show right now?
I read 1:39:42
